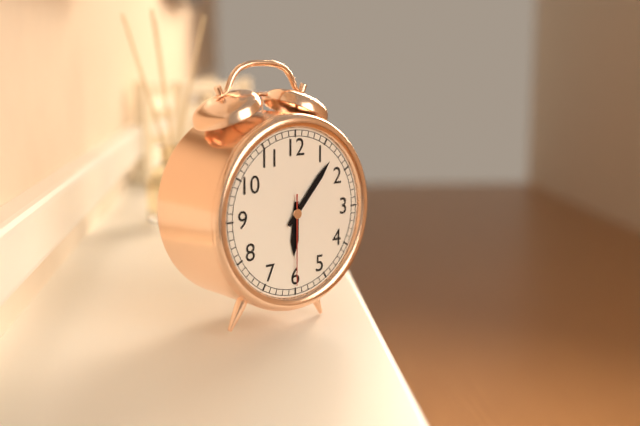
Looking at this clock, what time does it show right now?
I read 6:07:30
